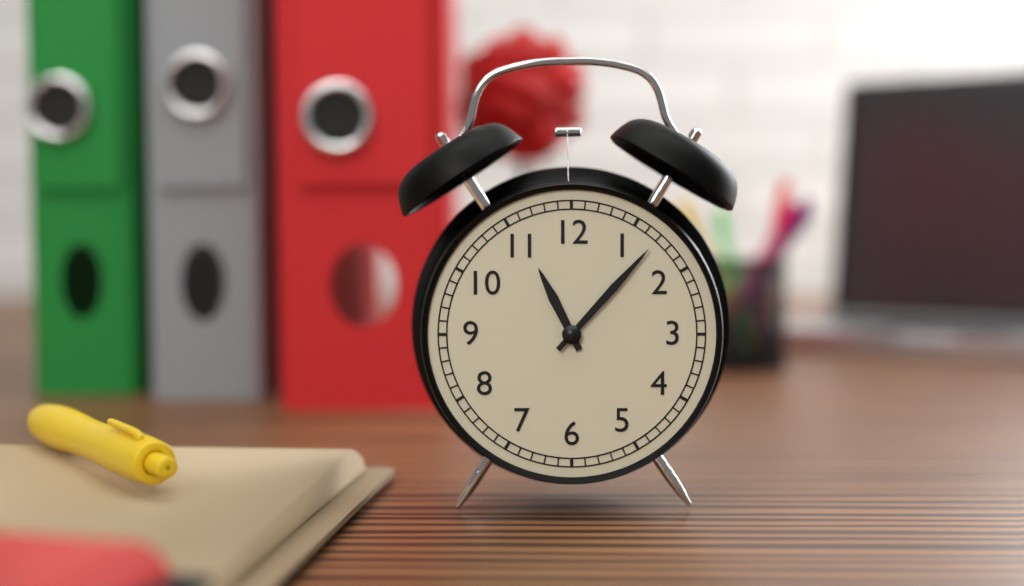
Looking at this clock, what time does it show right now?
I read 11:07
